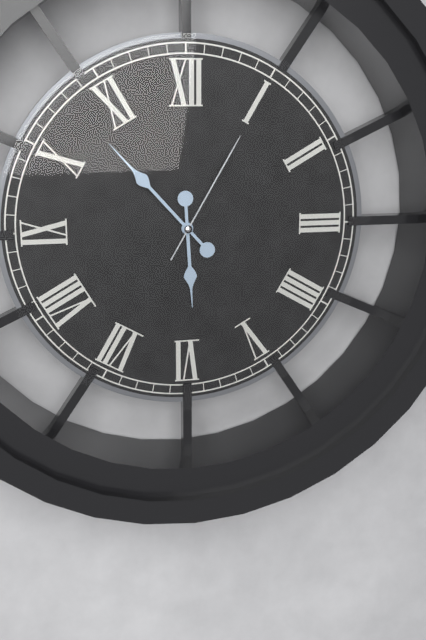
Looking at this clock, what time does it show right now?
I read 5:53:05
